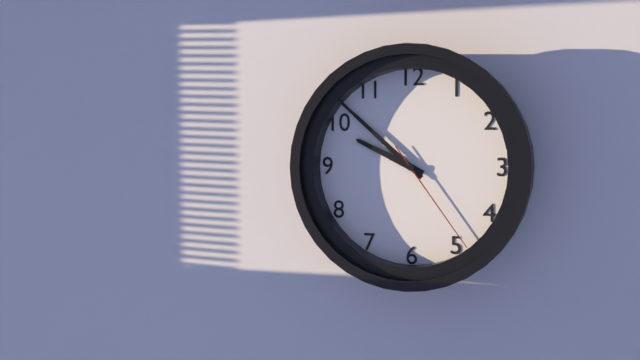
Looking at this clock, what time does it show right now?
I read 9:52:24
